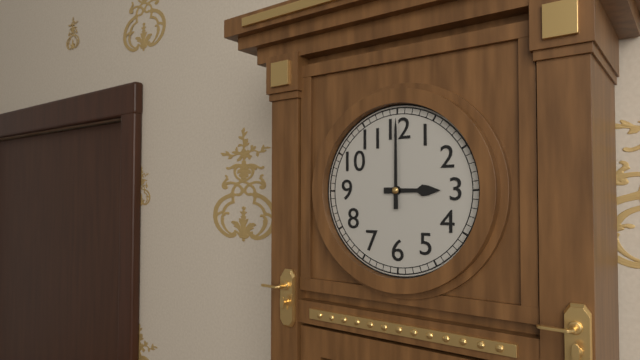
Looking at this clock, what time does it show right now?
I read 3:00
